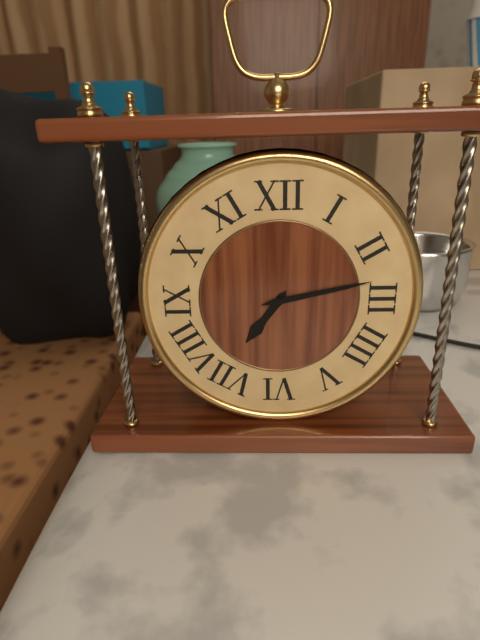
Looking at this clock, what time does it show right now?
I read 7:13
